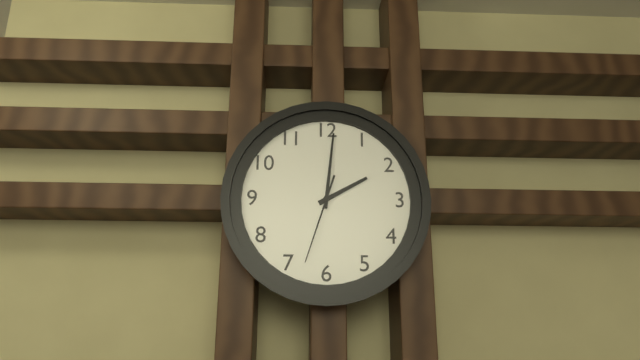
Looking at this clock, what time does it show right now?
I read 2:01:33
